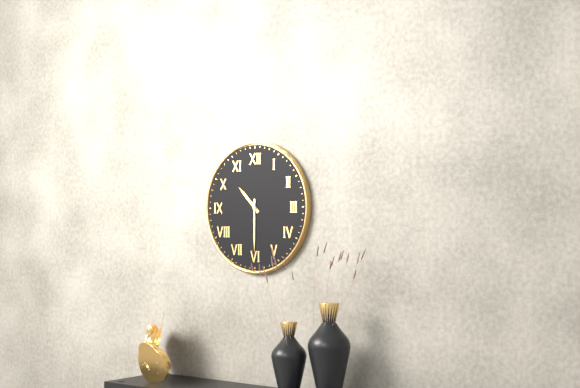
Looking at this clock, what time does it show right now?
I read 10:30
